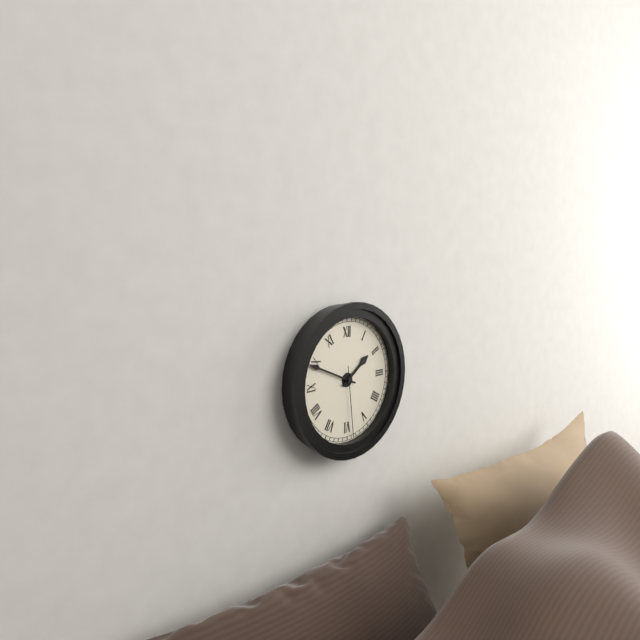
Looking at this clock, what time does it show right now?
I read 1:49:29
